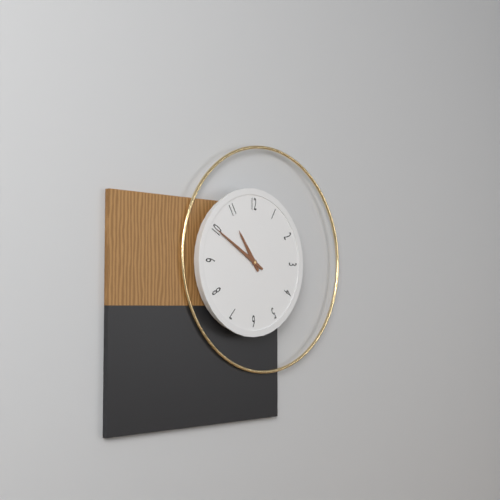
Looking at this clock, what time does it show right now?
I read 10:50
